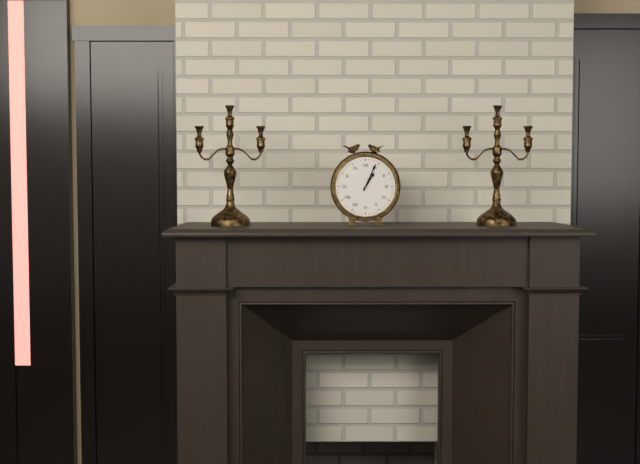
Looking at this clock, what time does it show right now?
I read 1:04
